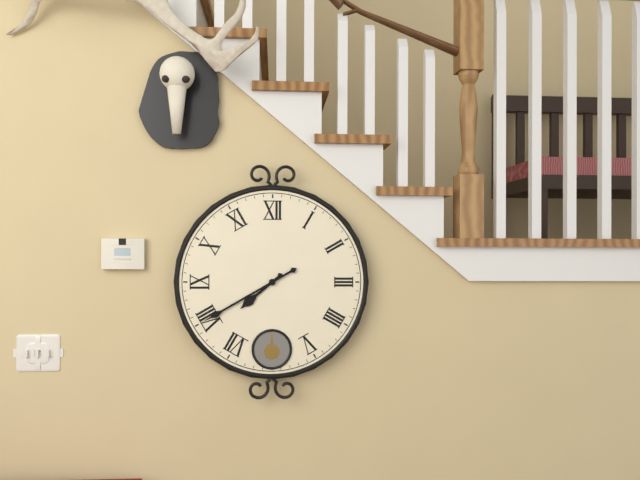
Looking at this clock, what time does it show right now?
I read 7:40
